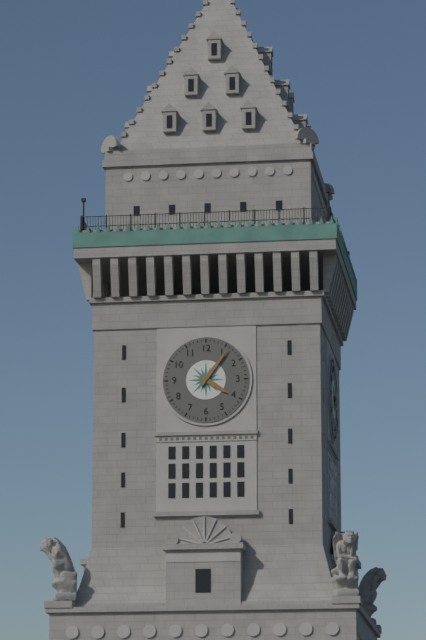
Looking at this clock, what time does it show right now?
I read 4:06
